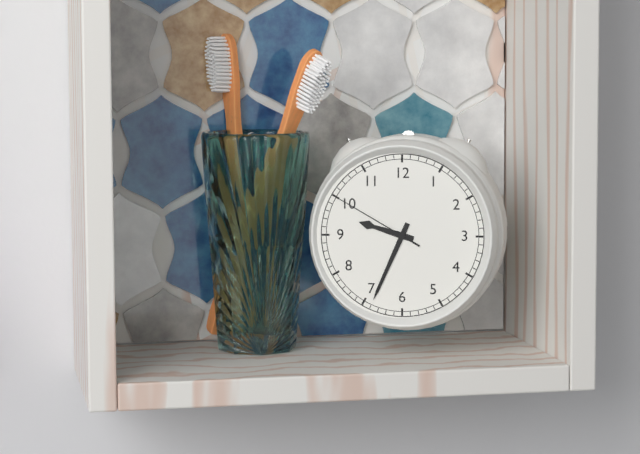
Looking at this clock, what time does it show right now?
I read 9:34:50
